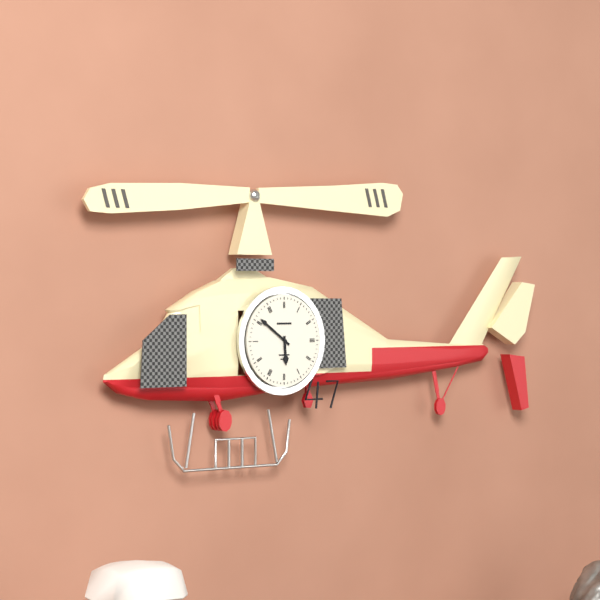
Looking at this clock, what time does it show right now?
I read 5:51
